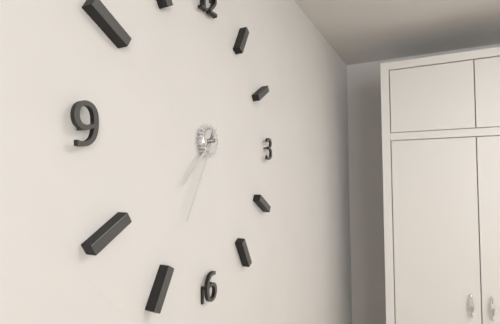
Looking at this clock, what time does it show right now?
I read 7:35
